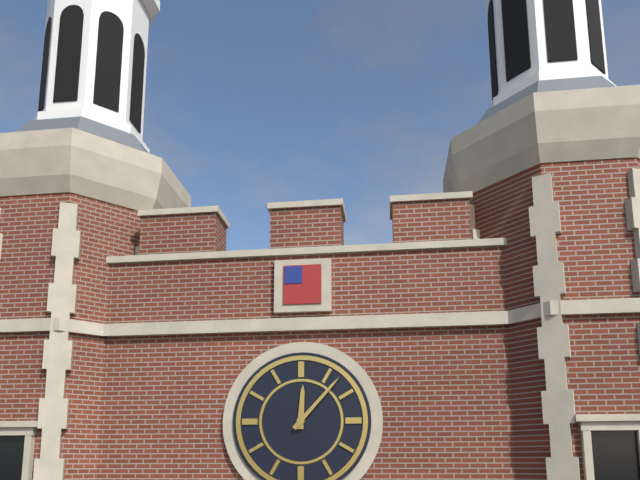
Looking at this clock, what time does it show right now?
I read 12:07
